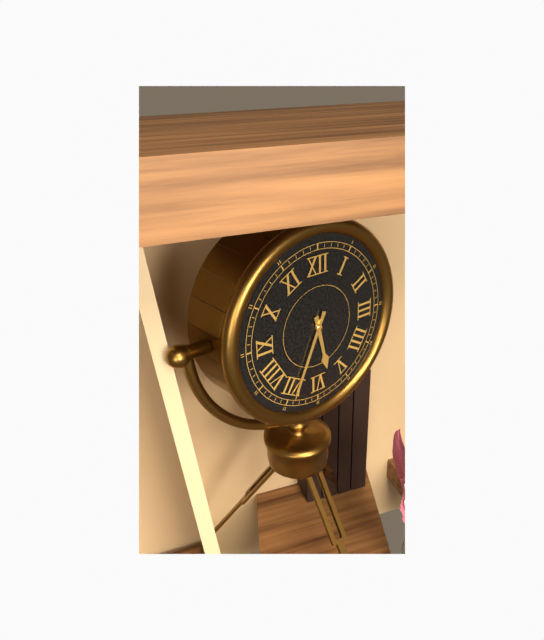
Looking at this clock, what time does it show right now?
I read 5:34
